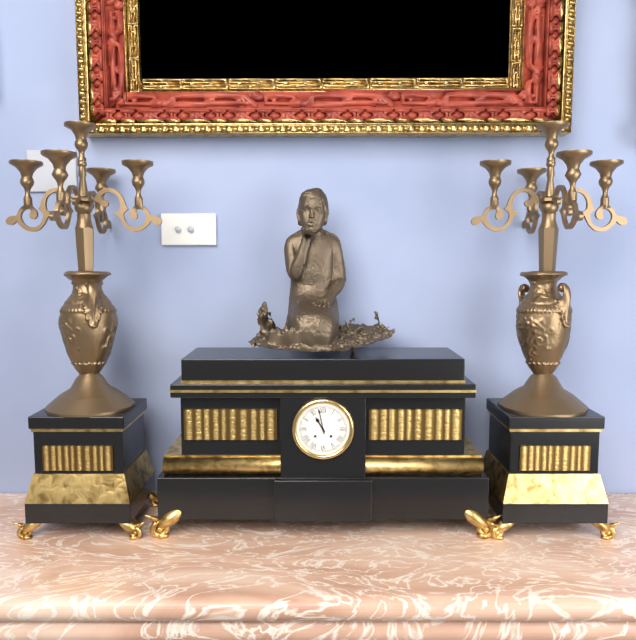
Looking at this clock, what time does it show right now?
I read 10:58
